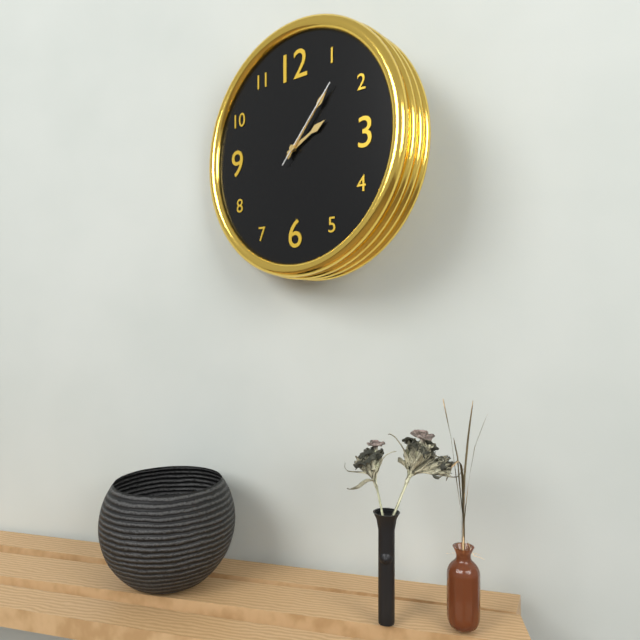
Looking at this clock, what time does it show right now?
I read 2:07:07
